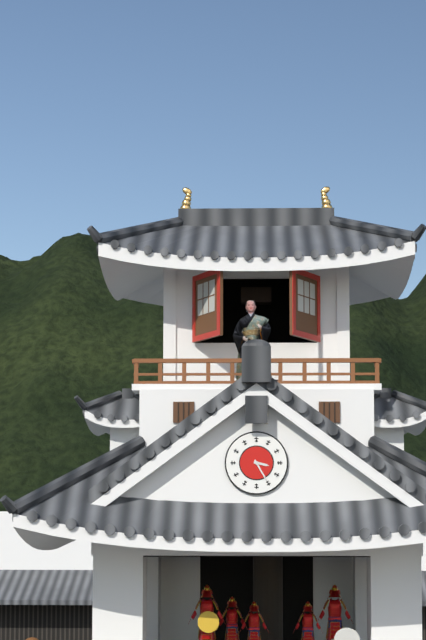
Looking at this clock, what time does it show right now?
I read 3:25
